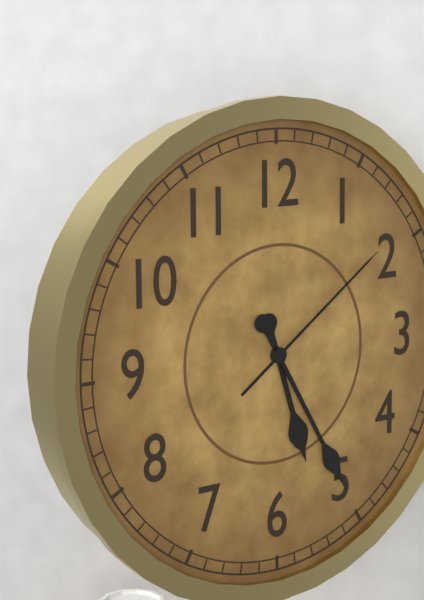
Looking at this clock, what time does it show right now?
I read 5:25:09
